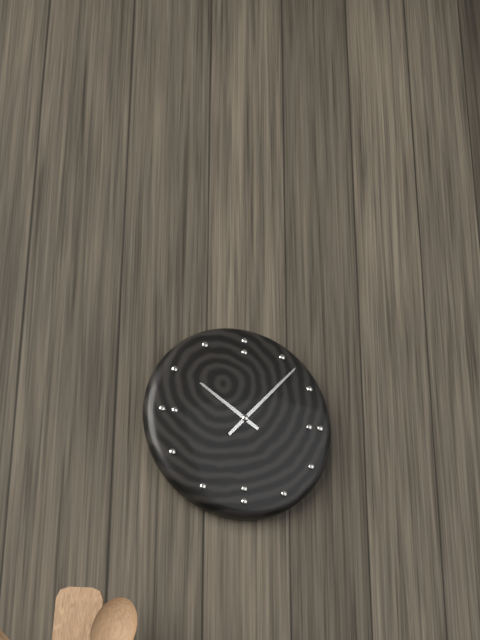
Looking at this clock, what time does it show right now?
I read 10:07
